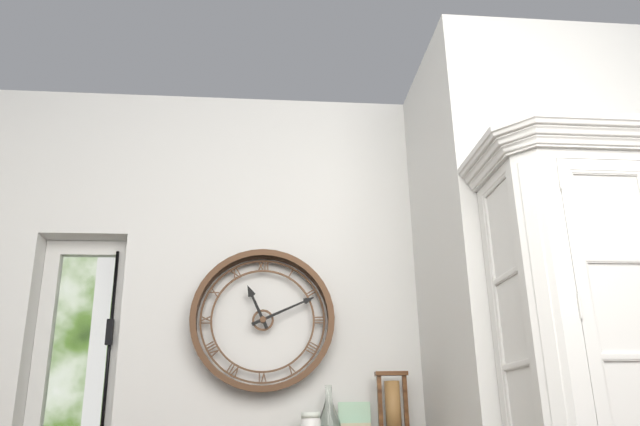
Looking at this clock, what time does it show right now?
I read 11:11
